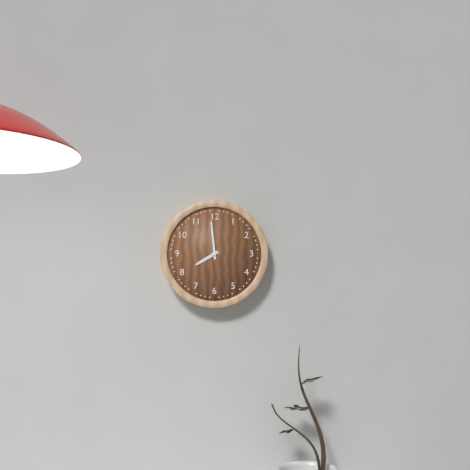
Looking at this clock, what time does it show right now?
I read 7:59
